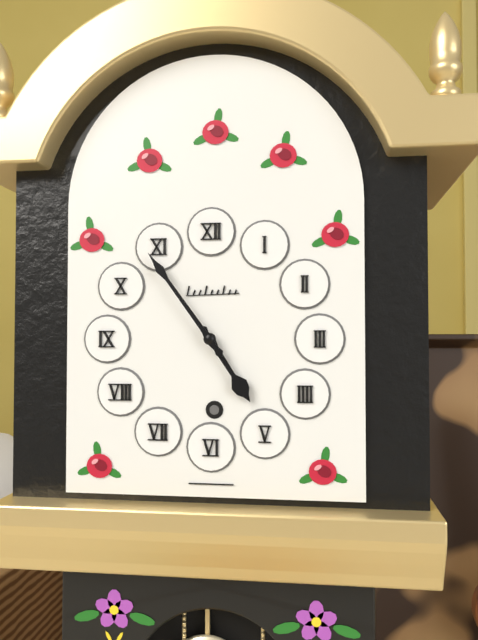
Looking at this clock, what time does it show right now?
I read 4:54
